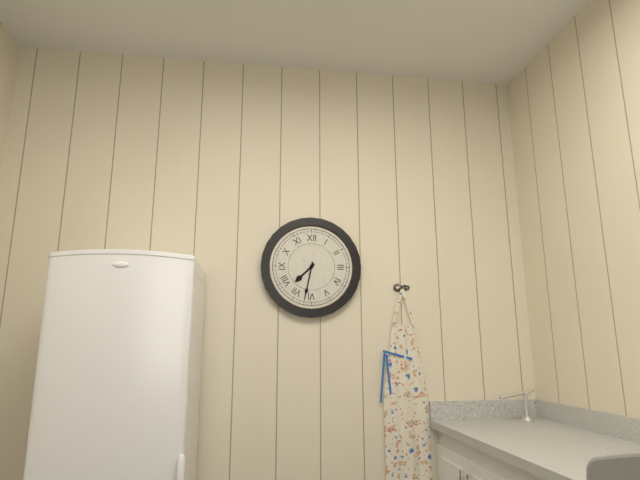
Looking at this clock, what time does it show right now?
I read 7:32
